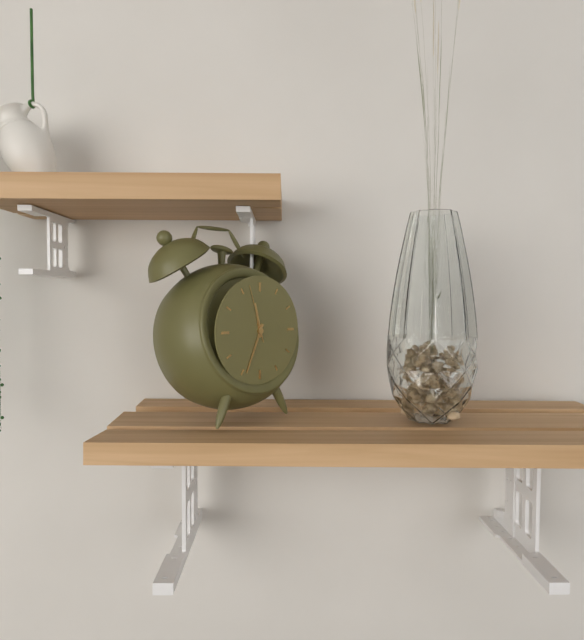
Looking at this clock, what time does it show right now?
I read 11:34:57
